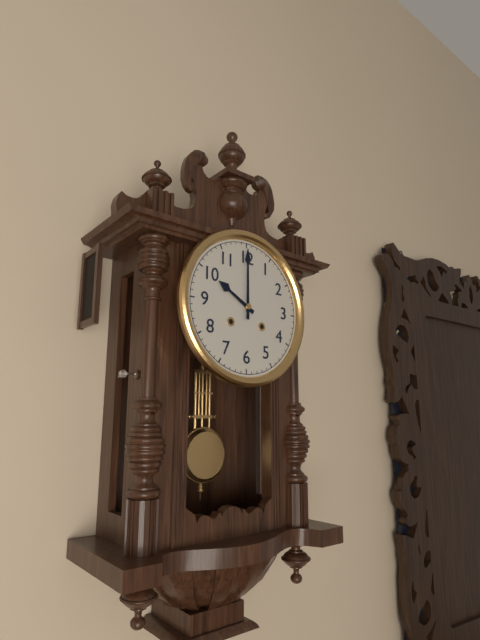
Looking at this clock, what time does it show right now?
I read 10:00
